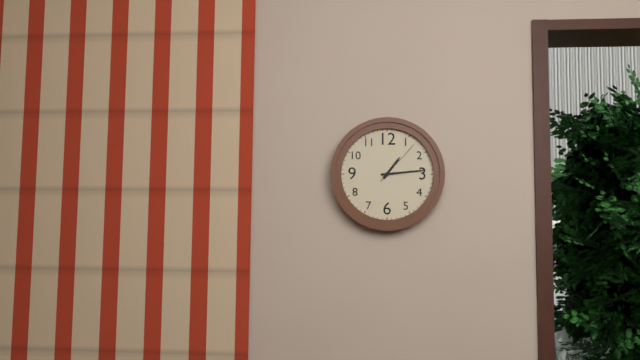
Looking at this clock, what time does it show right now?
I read 1:14:07
